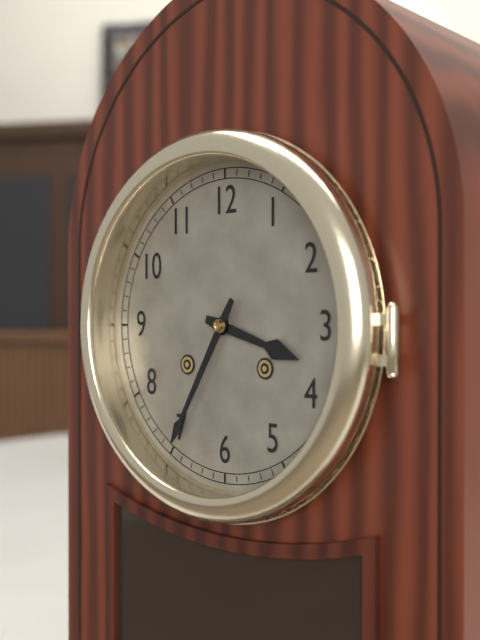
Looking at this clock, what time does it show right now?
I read 3:35
